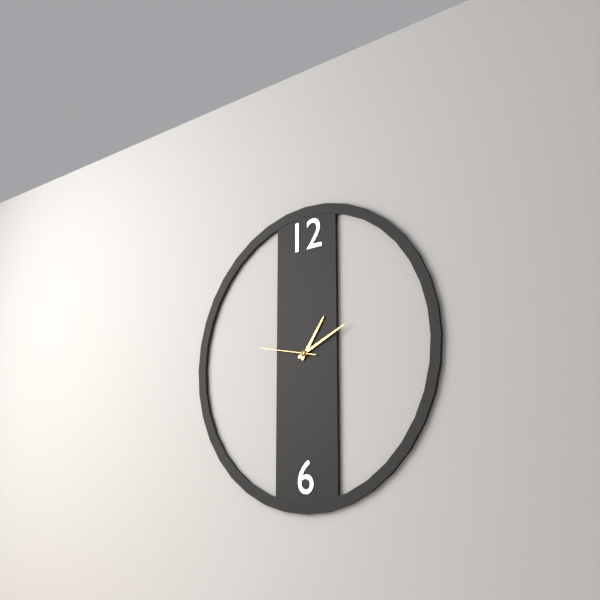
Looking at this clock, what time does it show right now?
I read 1:11:47
